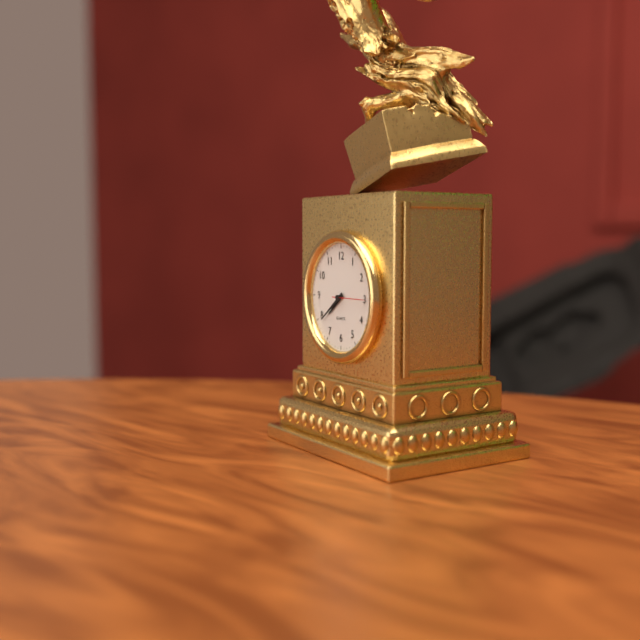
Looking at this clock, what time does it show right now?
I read 7:39
